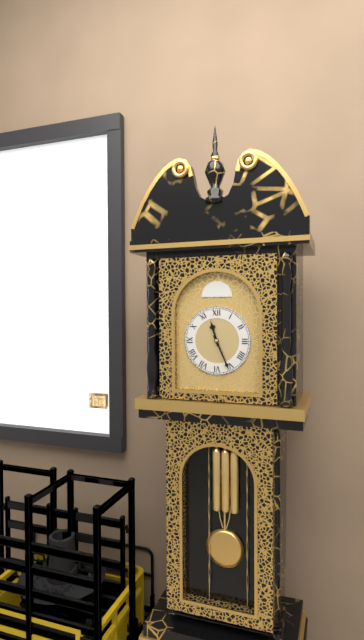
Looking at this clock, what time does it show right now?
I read 11:26
